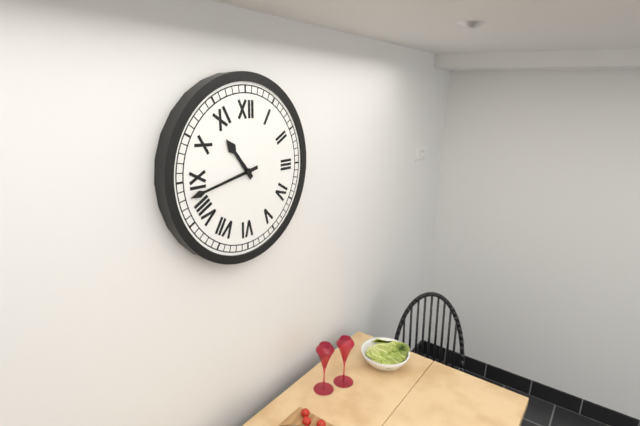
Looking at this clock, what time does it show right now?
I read 10:43
